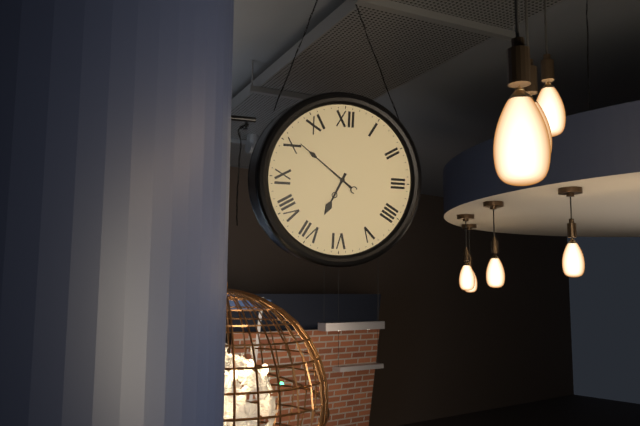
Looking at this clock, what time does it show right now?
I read 6:51
